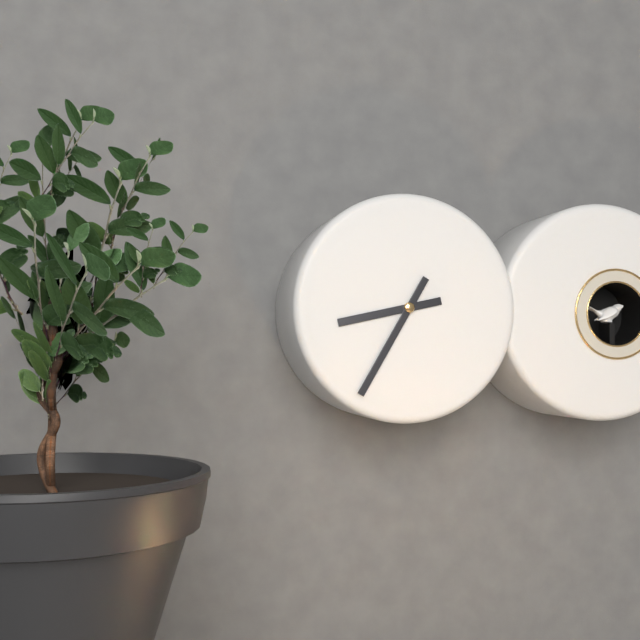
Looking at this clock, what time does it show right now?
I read 8:35
